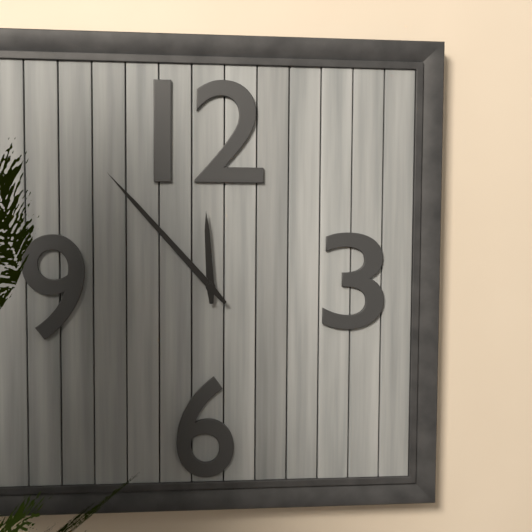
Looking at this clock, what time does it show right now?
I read 11:53
